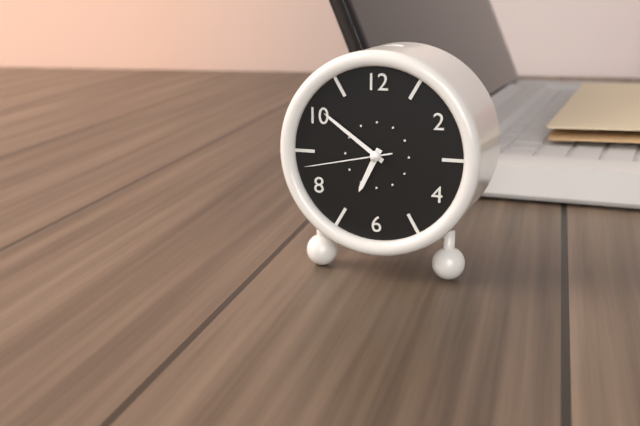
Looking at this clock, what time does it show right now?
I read 6:51:43
